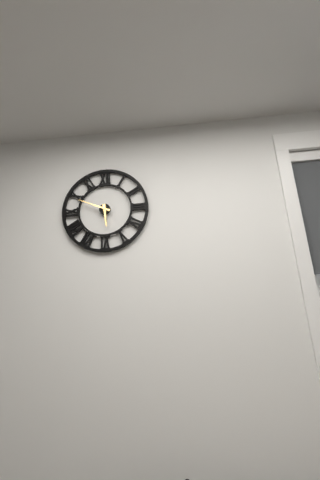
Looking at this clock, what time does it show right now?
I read 5:49
